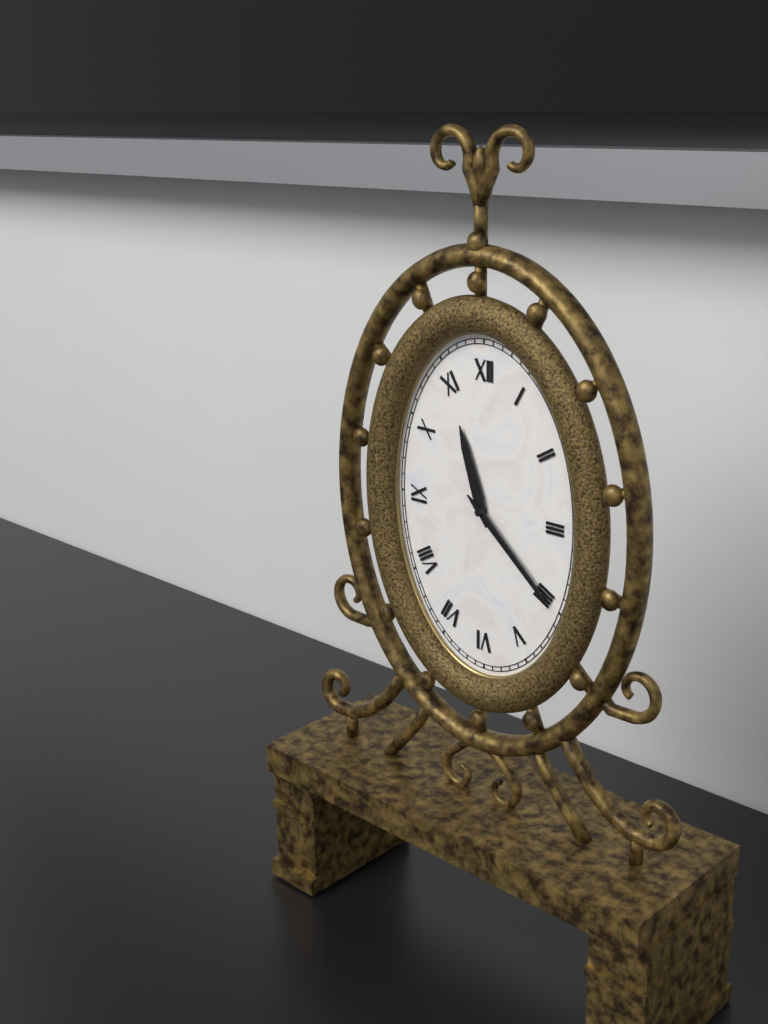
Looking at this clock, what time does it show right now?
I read 11:22
